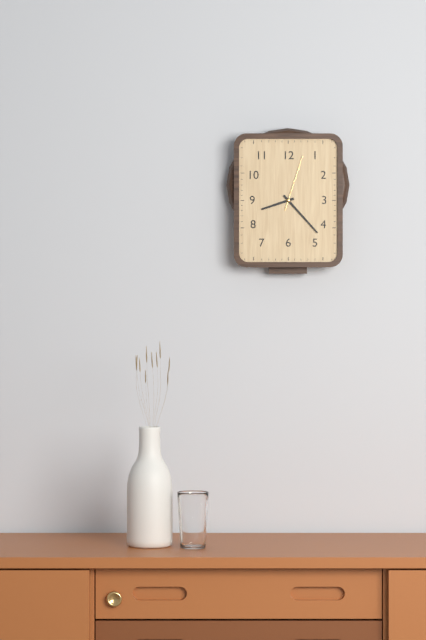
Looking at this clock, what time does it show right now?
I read 8:23:03
